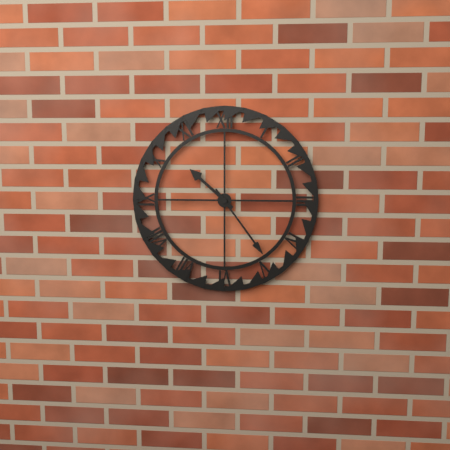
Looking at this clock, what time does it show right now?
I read 10:24
